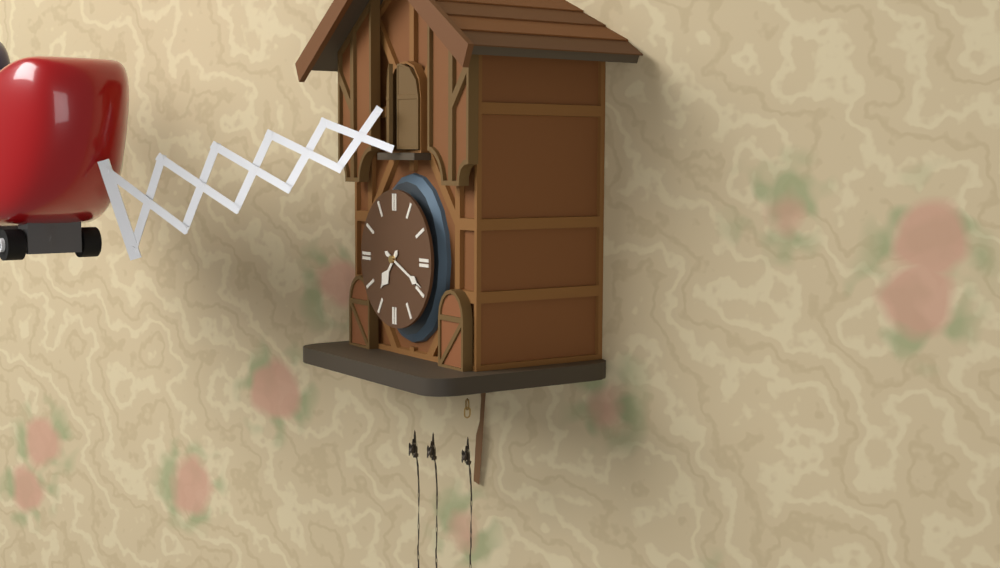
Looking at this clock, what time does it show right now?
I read 7:19
